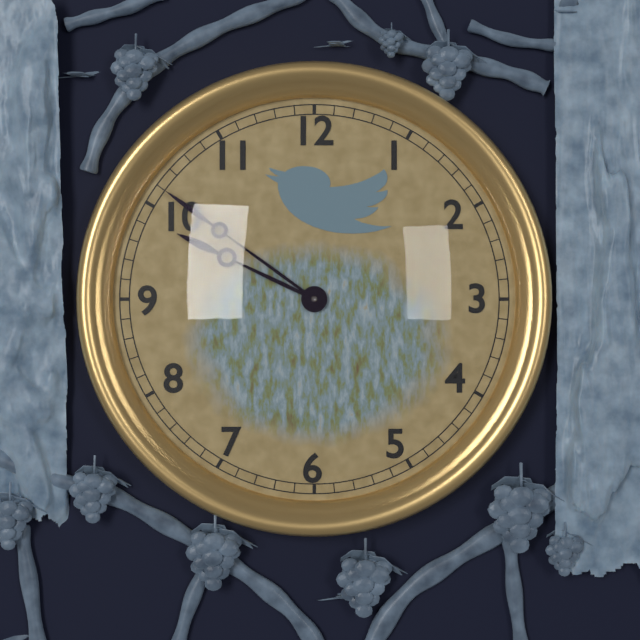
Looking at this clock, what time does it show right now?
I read 9:51
